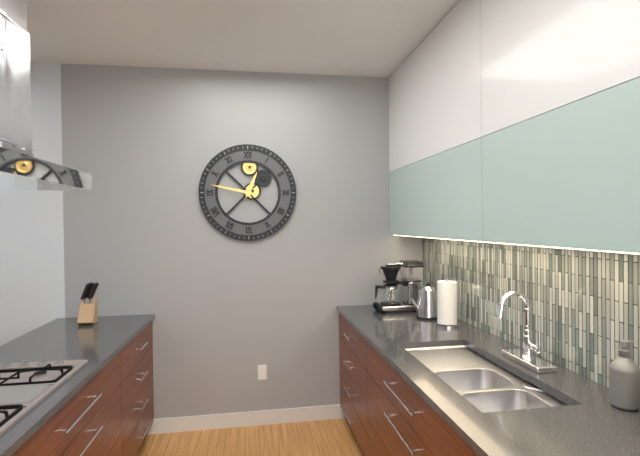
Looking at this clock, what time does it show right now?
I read 12:47
